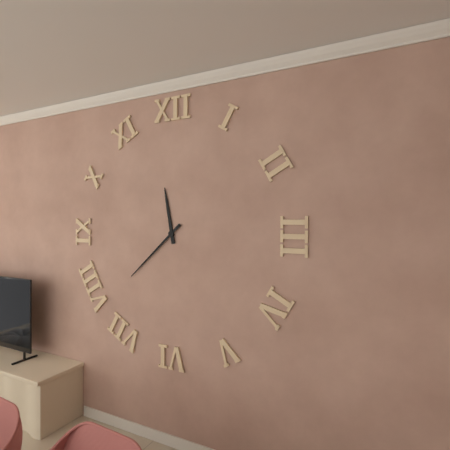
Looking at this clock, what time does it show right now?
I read 11:38
